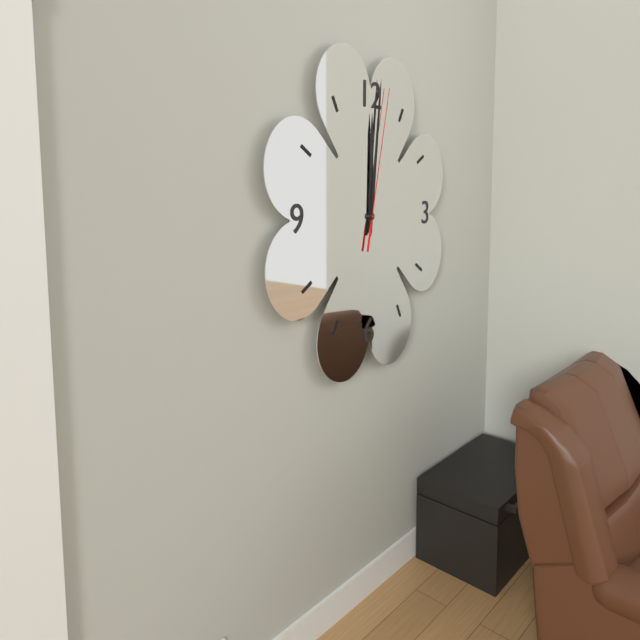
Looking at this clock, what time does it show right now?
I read 12:01:02
